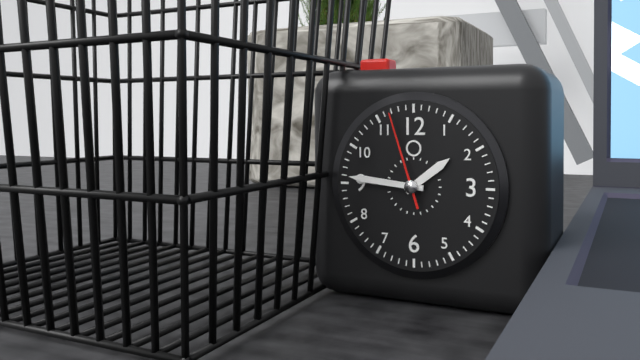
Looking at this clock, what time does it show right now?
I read 1:46:57
